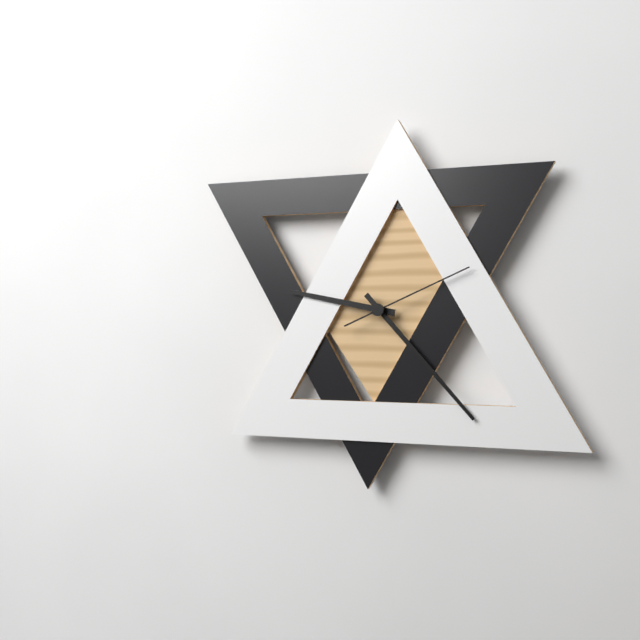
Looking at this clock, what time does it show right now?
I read 9:23:11
